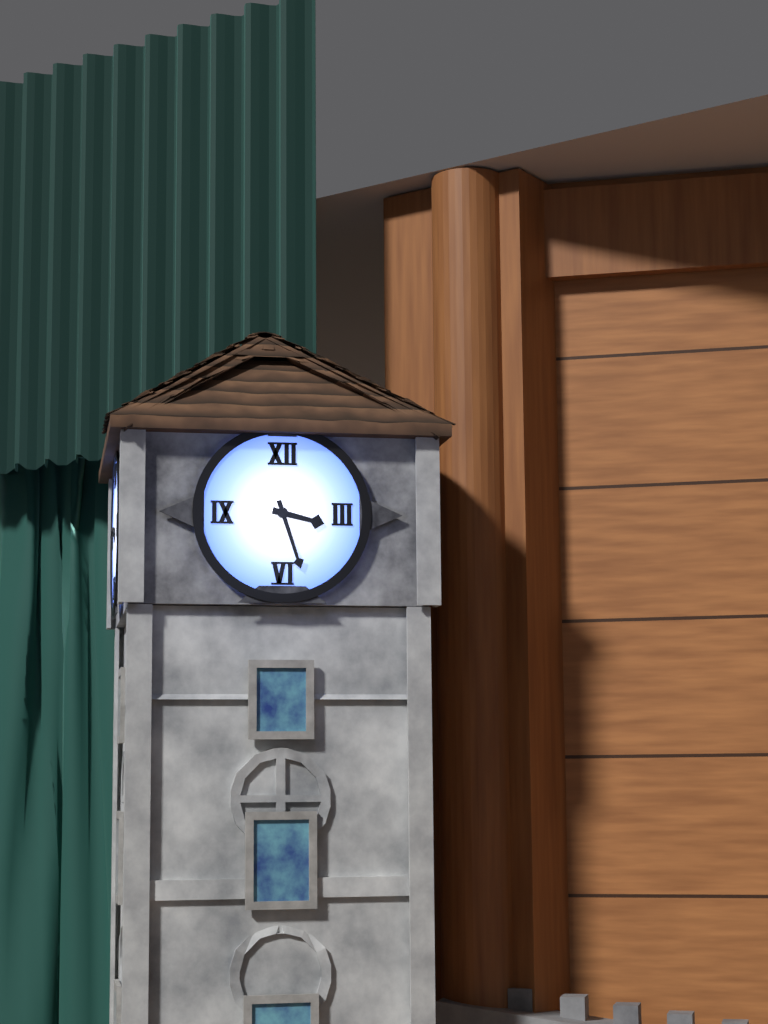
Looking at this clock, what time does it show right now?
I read 3:27
